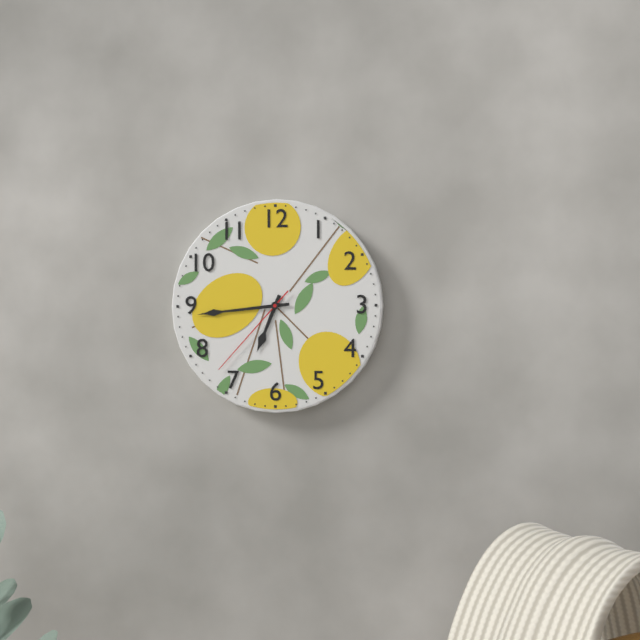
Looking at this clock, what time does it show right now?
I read 6:44:37
